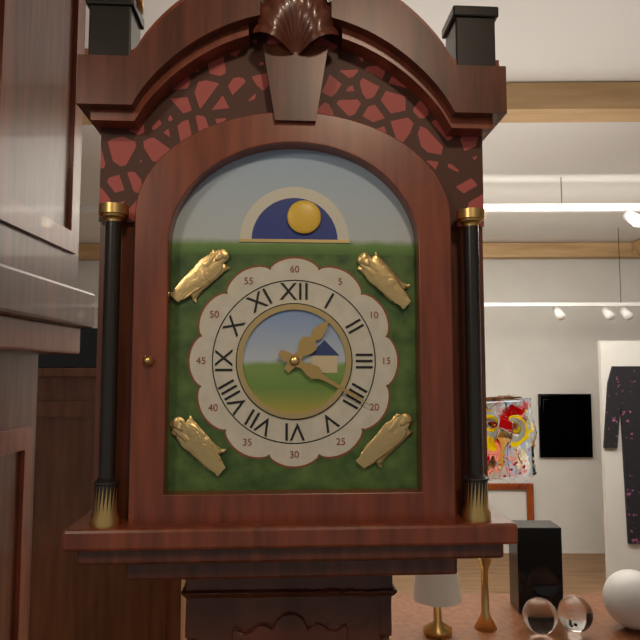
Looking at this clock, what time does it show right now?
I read 1:20
